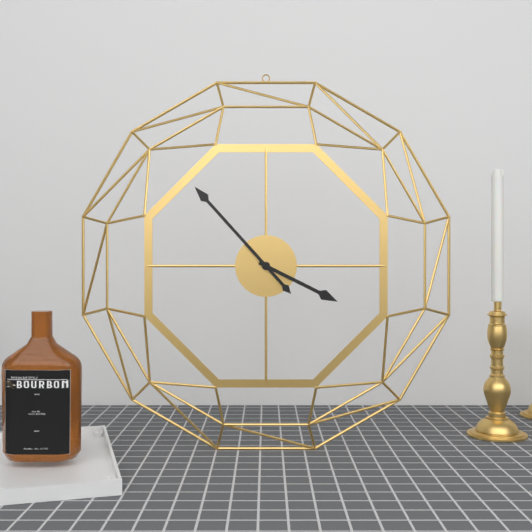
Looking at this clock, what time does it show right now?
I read 3:53
